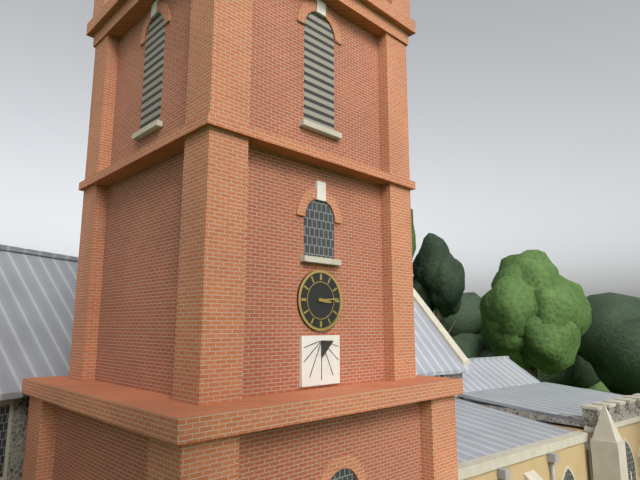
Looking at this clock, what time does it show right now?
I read 3:14
